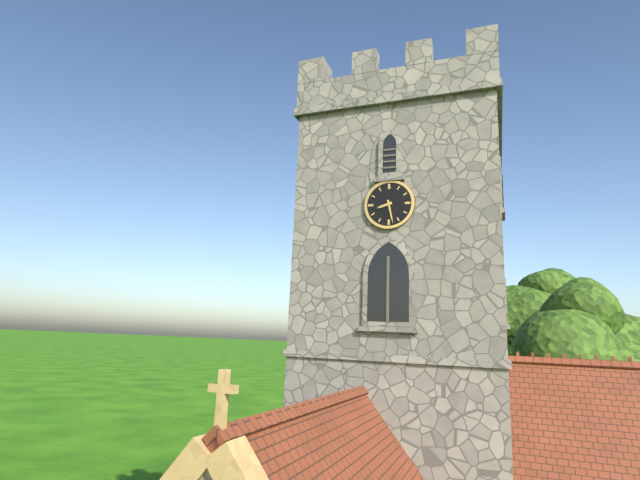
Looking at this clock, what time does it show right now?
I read 8:28
